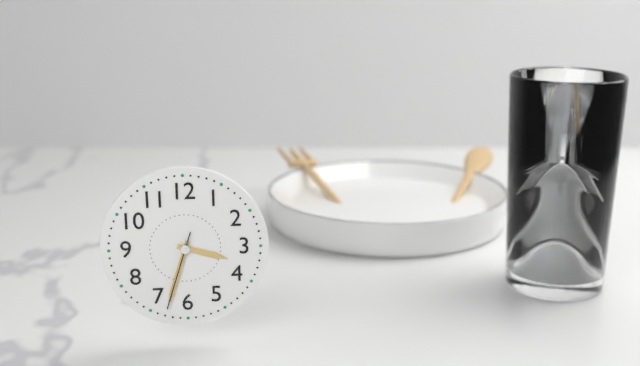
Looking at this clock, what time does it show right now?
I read 3:33:33
